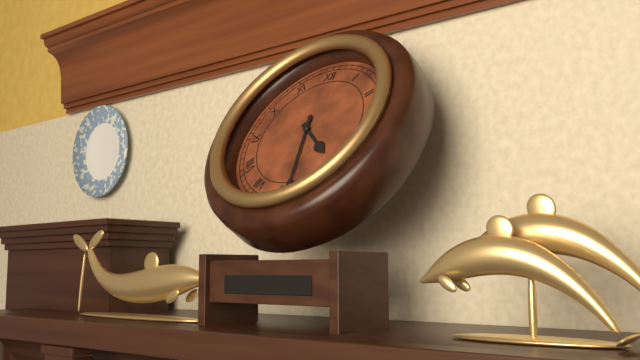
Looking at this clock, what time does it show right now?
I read 4:29
